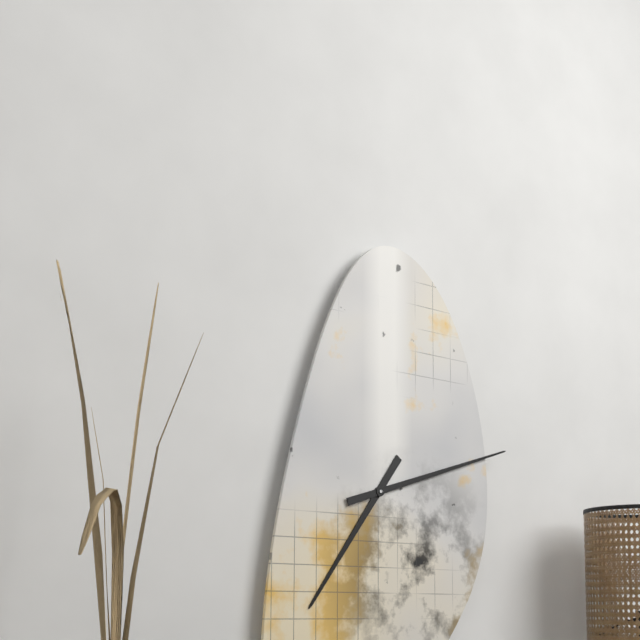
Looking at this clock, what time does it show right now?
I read 7:12
